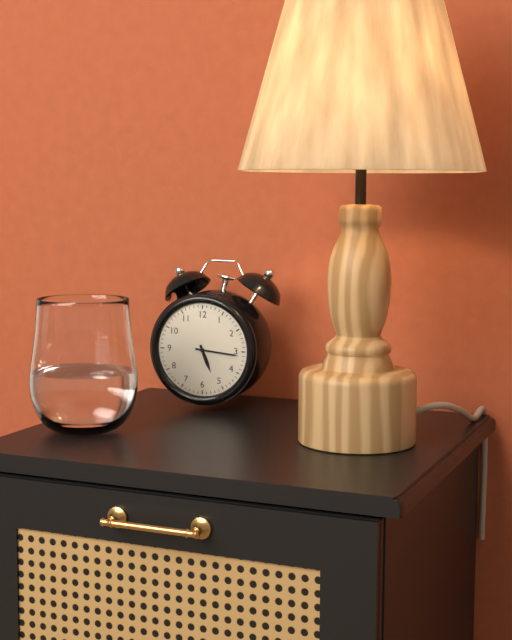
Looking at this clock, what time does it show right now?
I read 5:16
